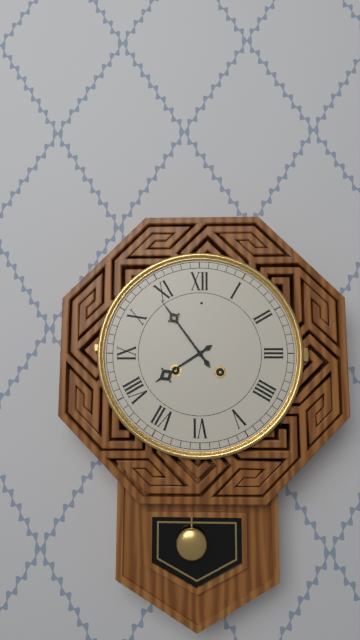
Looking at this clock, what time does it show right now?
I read 7:54
